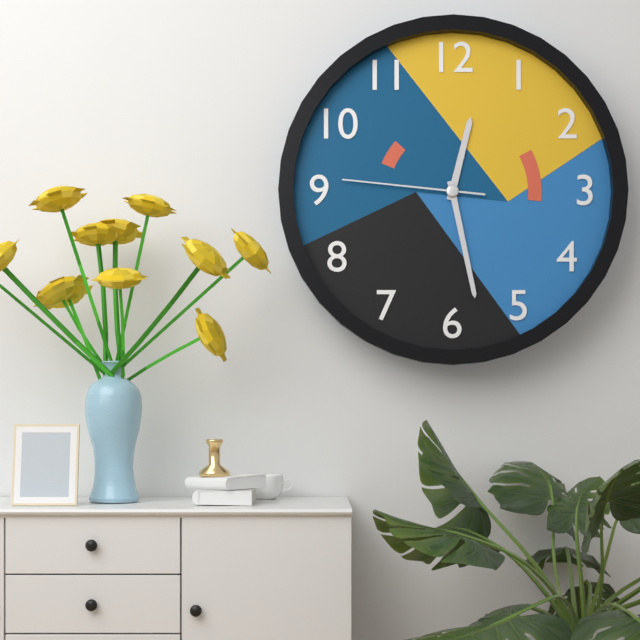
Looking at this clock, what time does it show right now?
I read 12:28:46
